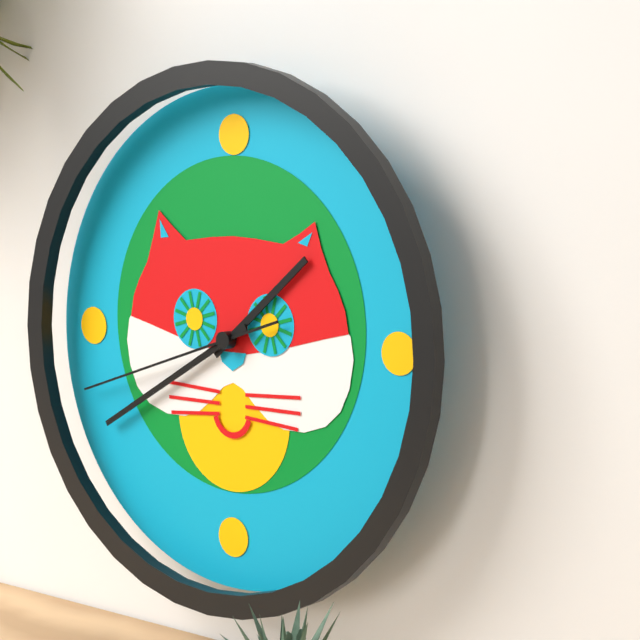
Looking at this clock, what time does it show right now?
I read 1:40:42
